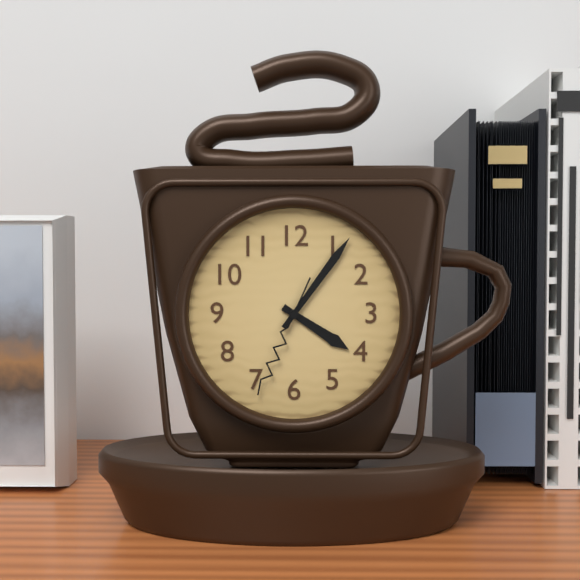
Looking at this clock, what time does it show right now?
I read 4:06:34
